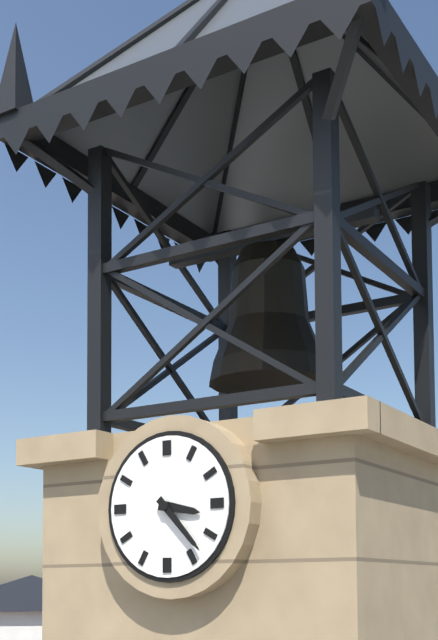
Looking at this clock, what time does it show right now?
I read 3:23
